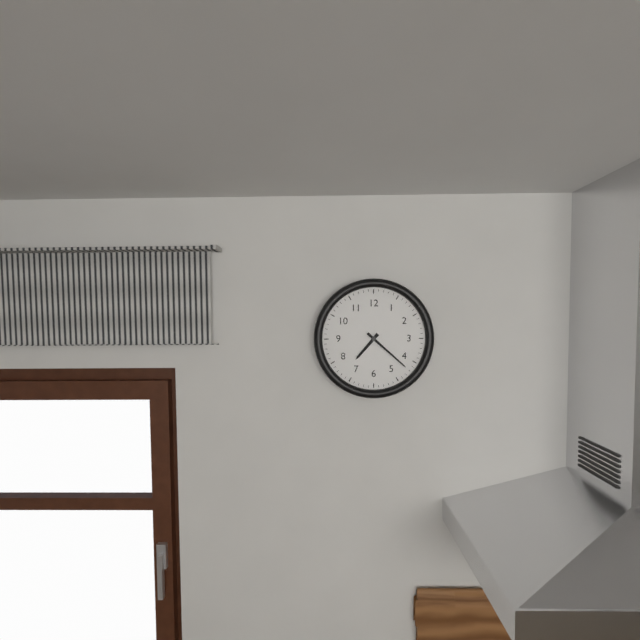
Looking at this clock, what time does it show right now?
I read 7:22
